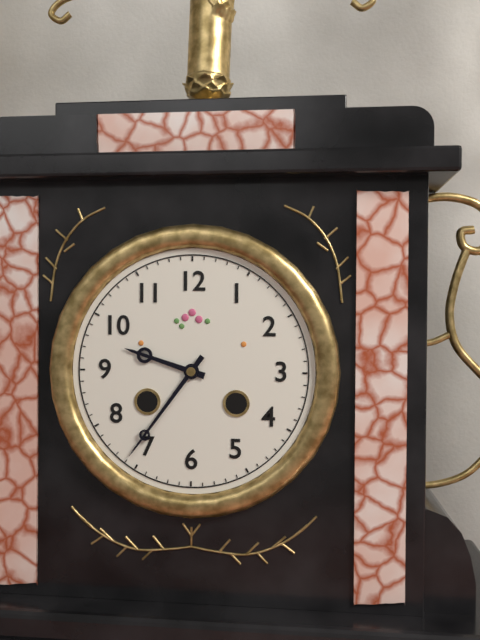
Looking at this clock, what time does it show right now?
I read 9:36
